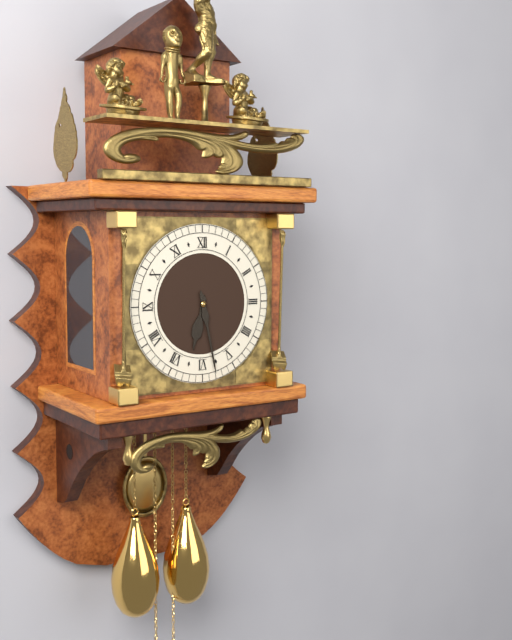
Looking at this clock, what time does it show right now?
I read 6:28
